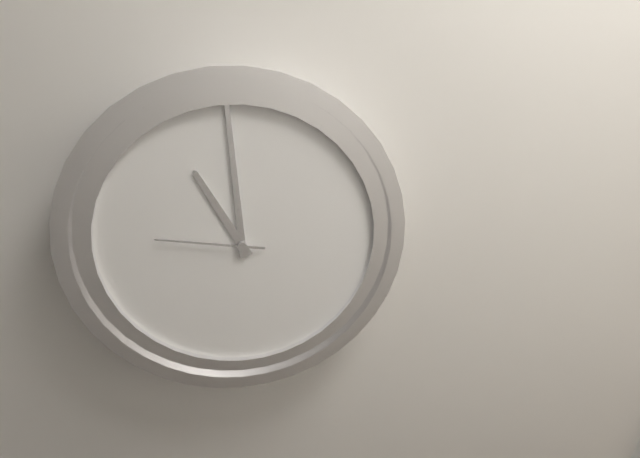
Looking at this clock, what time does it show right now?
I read 10:59:46
